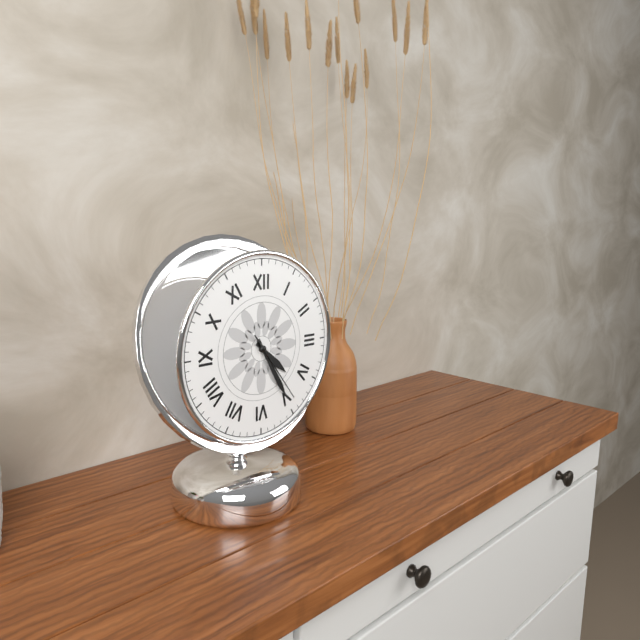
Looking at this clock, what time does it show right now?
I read 4:25:24
